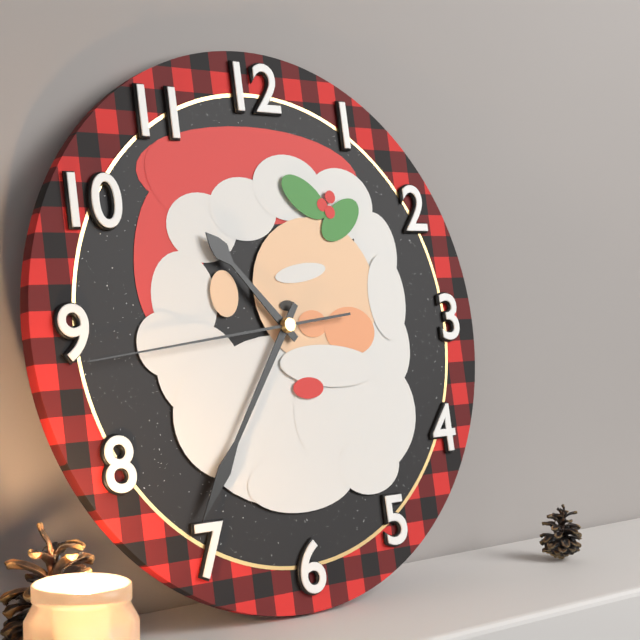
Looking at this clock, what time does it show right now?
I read 10:36:44
